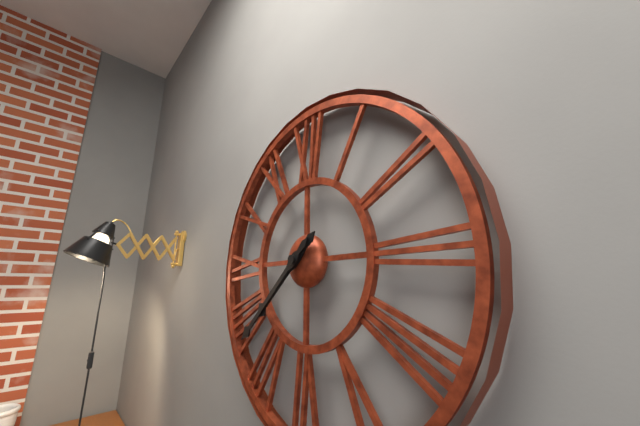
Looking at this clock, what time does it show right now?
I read 7:38
